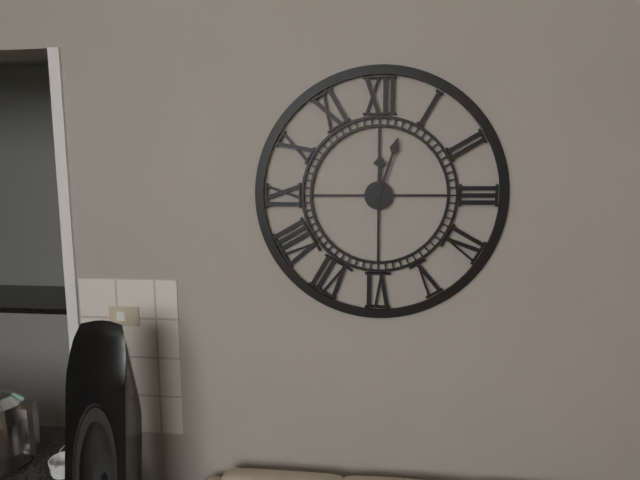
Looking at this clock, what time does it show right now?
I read 12:03
